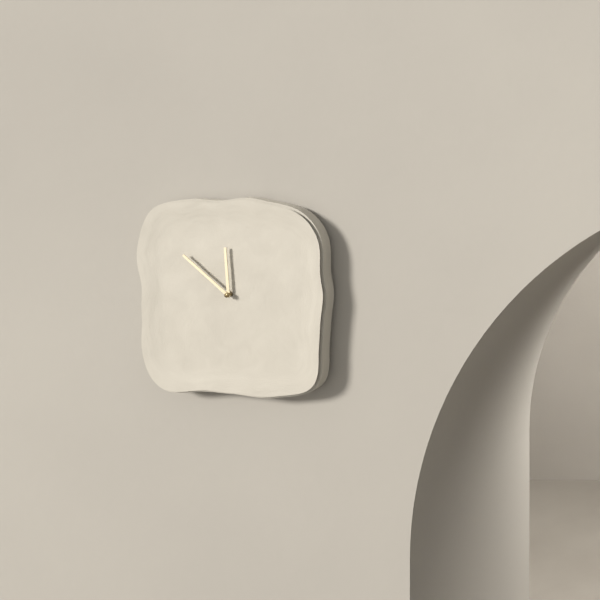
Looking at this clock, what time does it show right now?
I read 11:52
